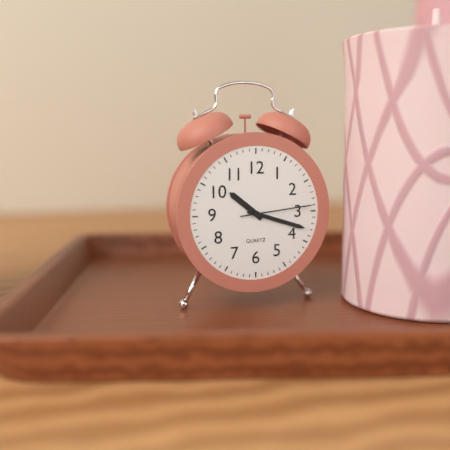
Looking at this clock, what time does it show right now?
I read 10:18:14
